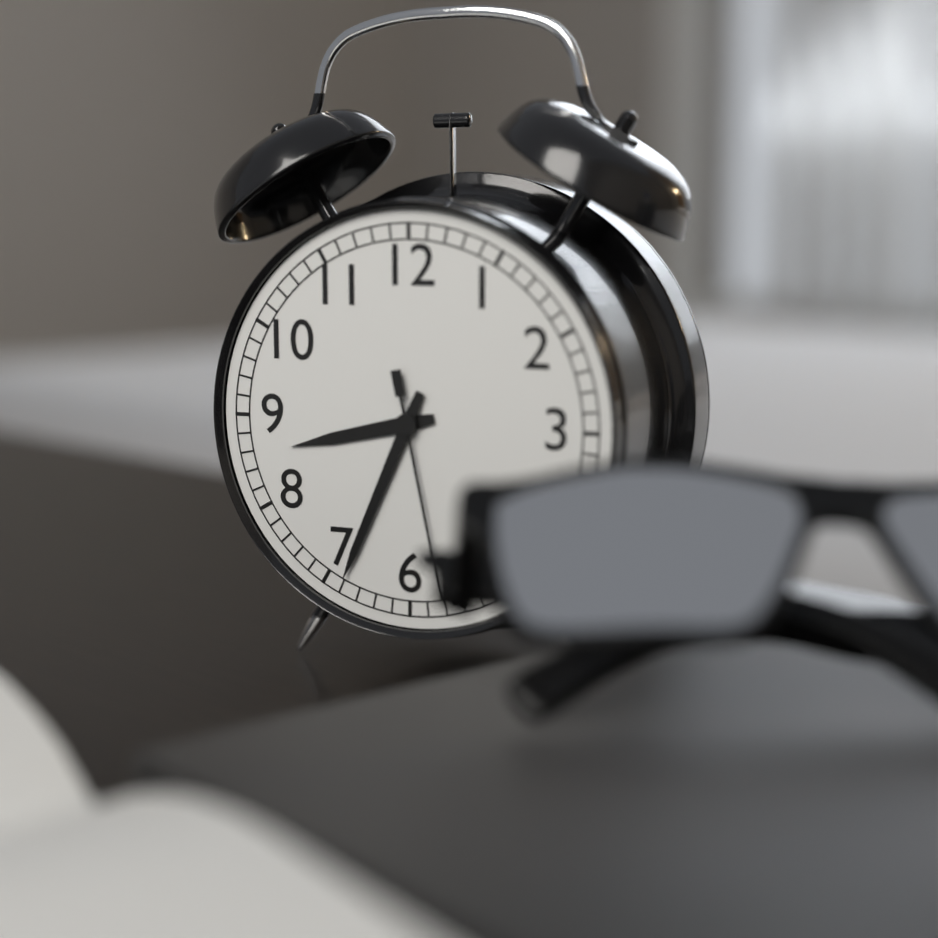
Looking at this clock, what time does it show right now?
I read 8:34:28
